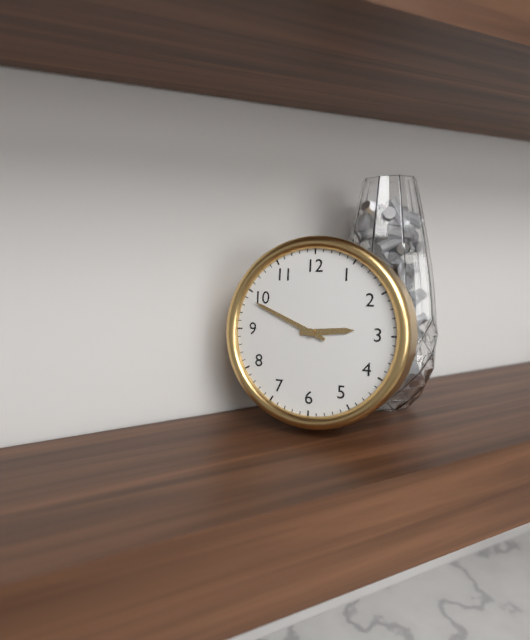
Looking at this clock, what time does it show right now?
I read 2:49
